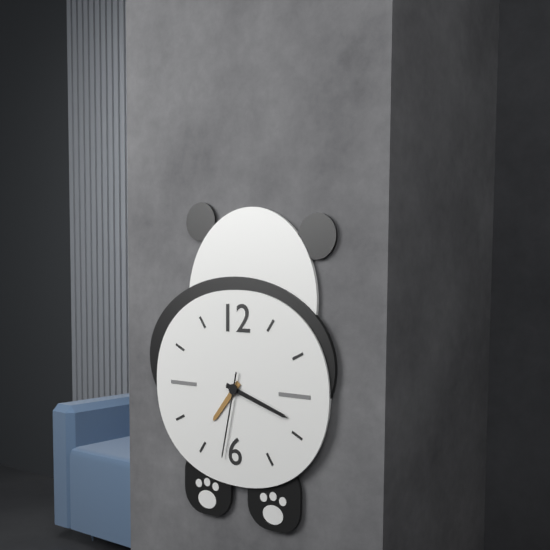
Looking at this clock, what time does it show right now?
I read 7:18:32
